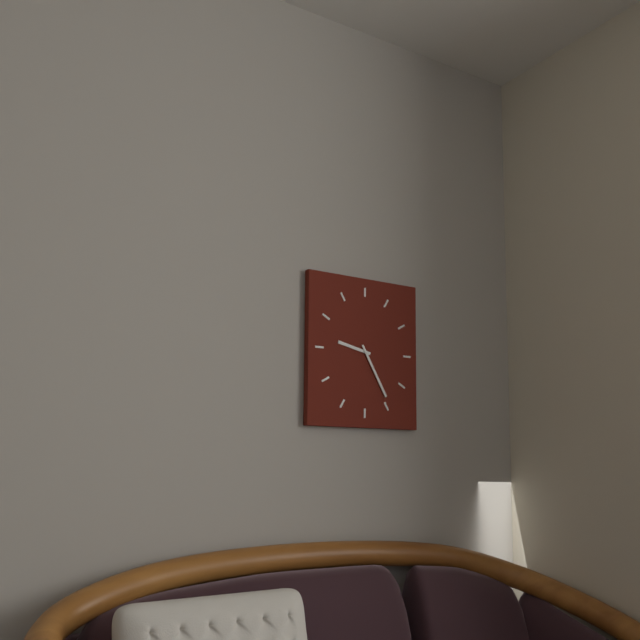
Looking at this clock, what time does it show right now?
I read 9:25
